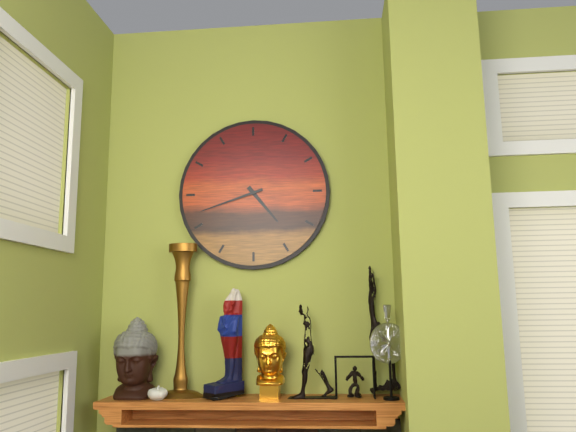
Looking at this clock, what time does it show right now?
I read 4:42
